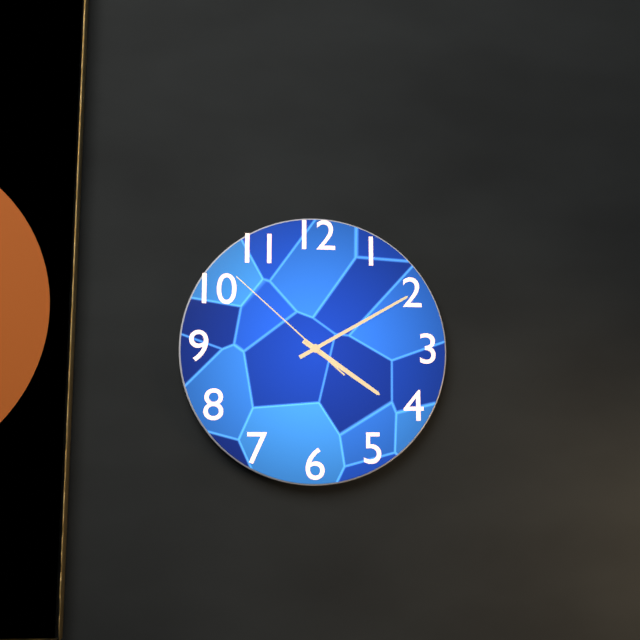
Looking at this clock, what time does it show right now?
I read 4:10:52
